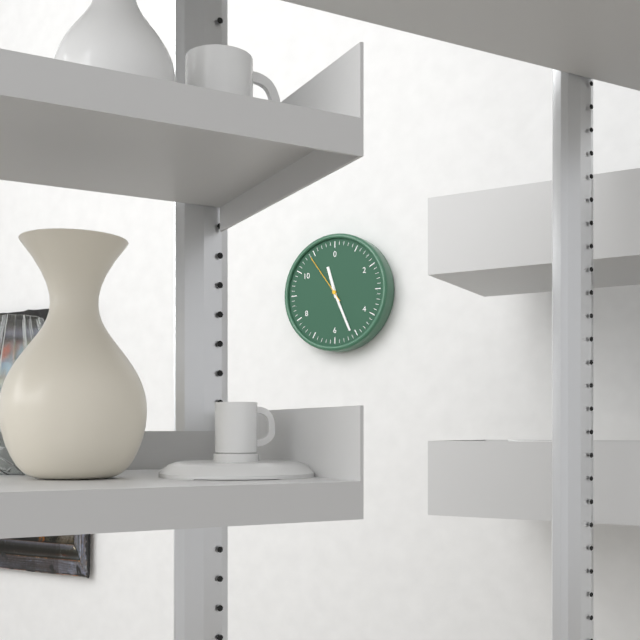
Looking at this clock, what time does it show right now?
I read 11:26:54
